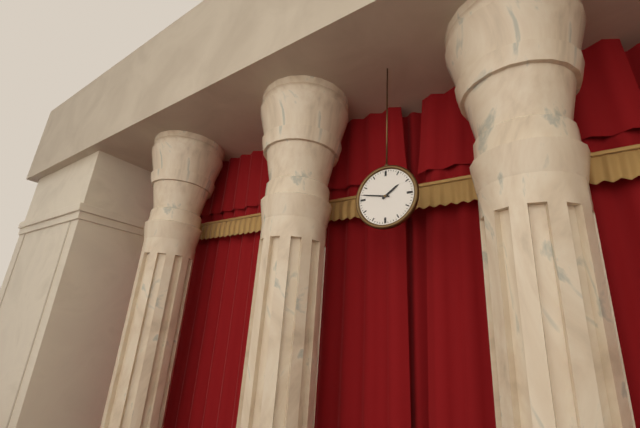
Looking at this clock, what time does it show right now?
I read 1:47
